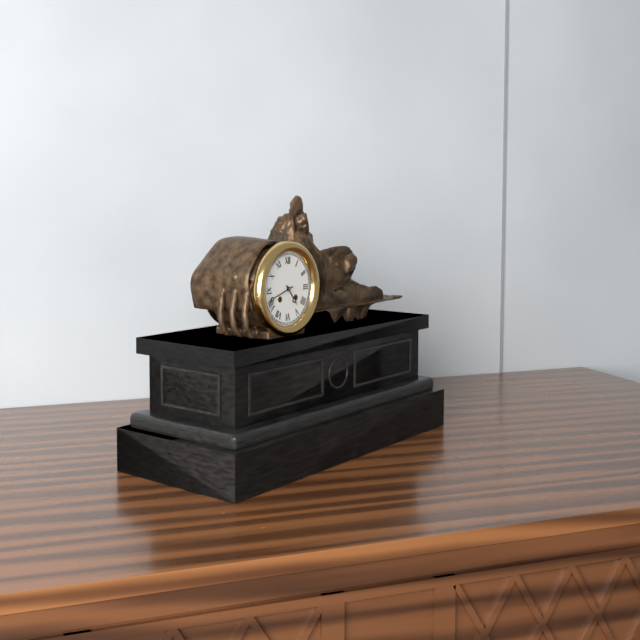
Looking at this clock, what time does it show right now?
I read 4:42
